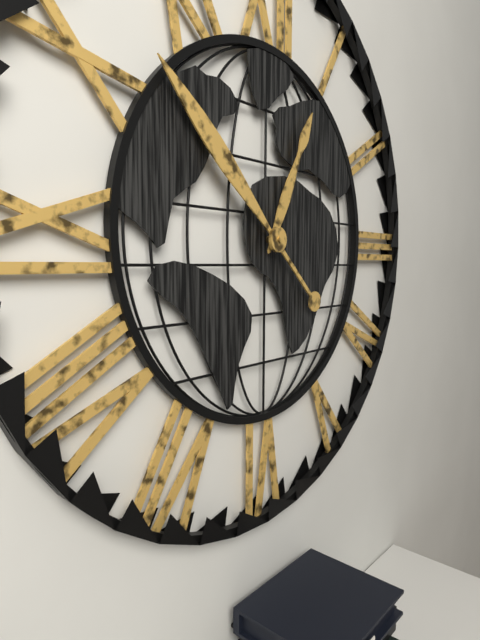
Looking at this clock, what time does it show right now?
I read 12:52
